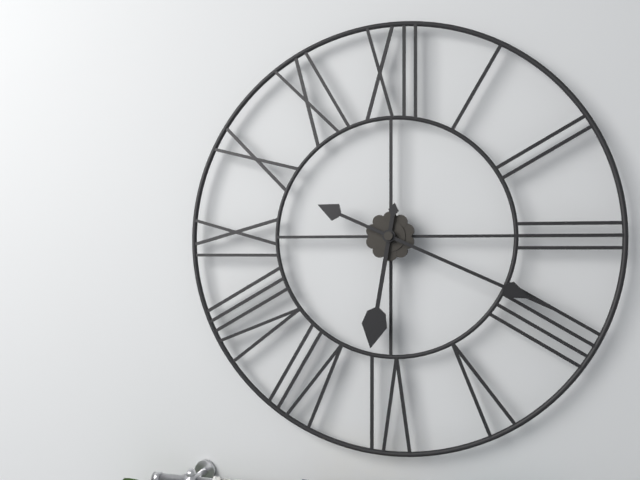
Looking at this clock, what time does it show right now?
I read 6:19
